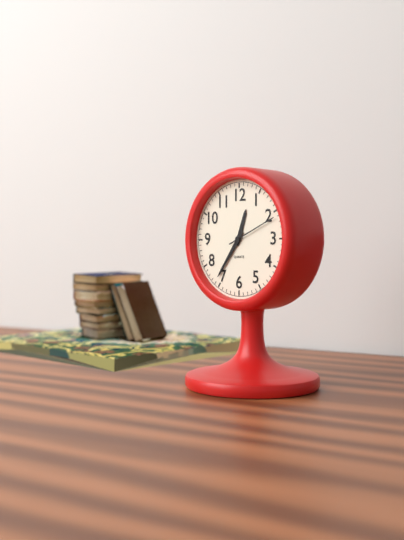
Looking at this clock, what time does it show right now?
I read 12:36:11
